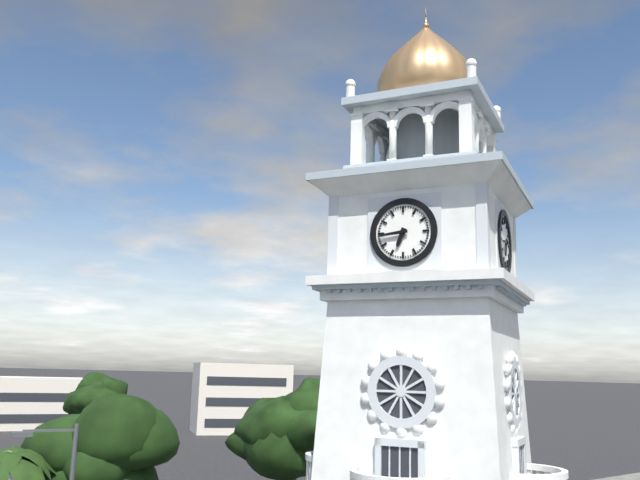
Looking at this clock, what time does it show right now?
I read 6:44
